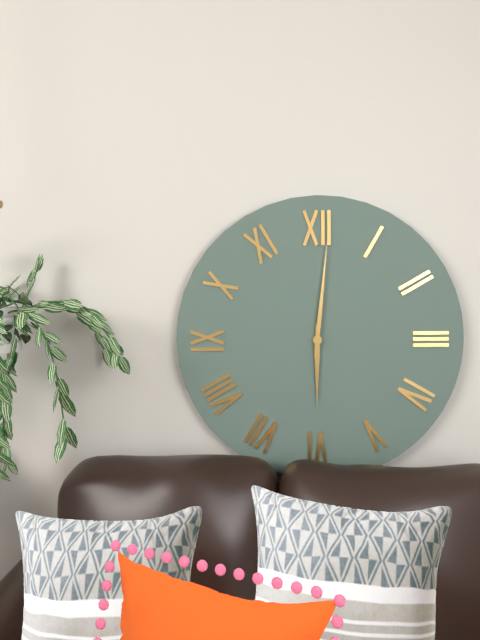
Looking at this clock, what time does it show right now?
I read 6:01
